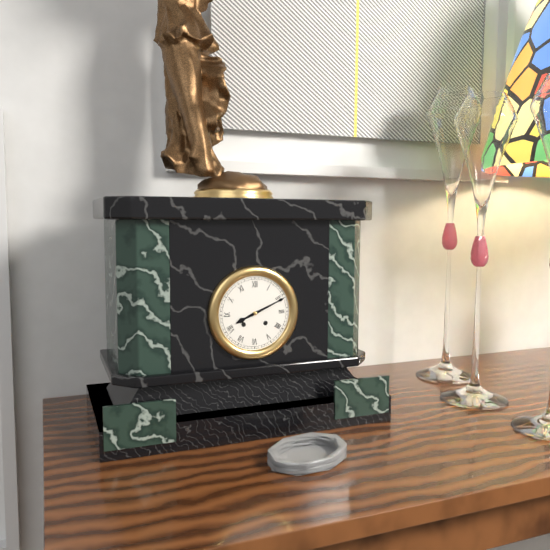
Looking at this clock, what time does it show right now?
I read 8:11
